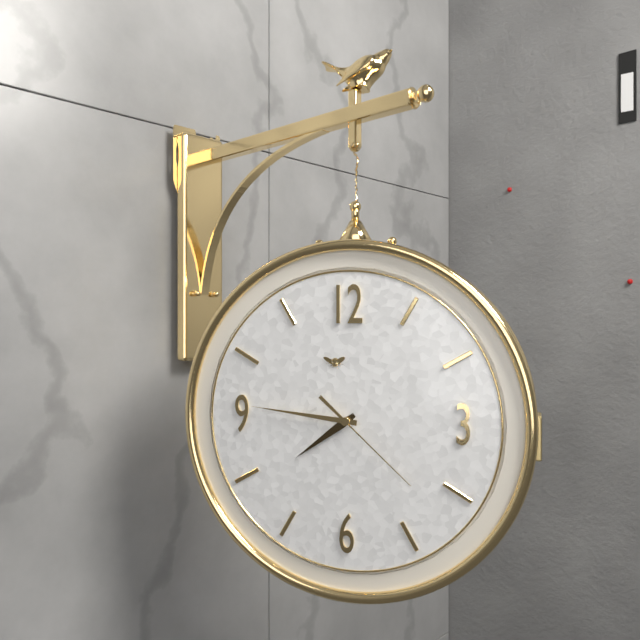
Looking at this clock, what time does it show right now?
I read 7:46:22
